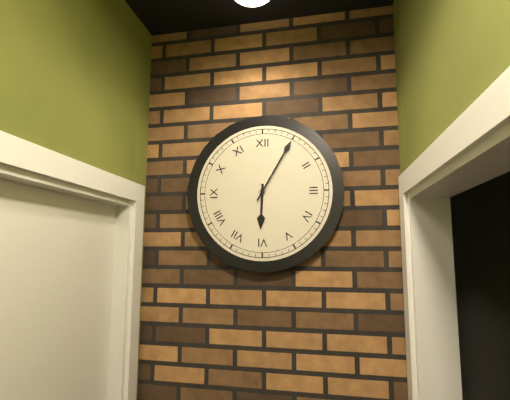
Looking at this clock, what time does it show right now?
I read 6:05
